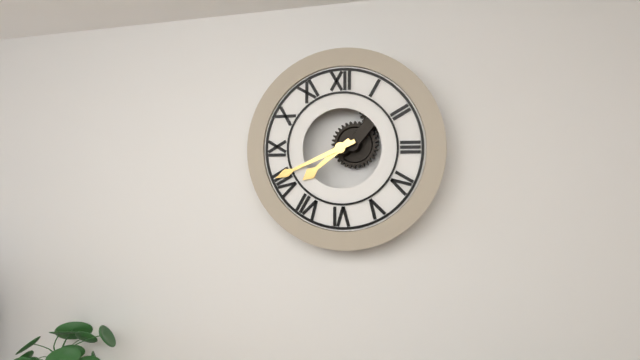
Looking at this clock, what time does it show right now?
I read 7:41
